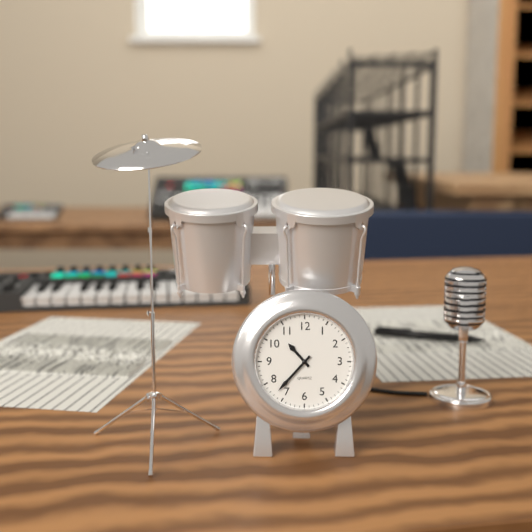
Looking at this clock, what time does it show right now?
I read 10:37
